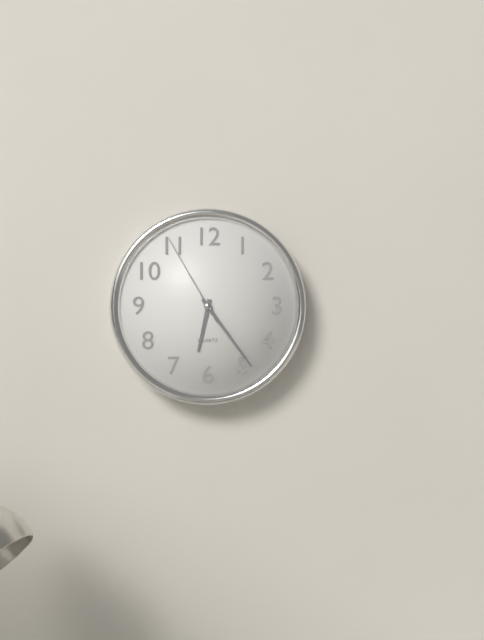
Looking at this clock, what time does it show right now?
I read 6:24:55
